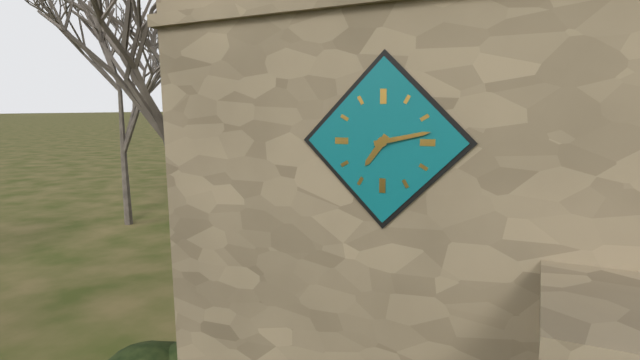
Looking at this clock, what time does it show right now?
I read 7:13
